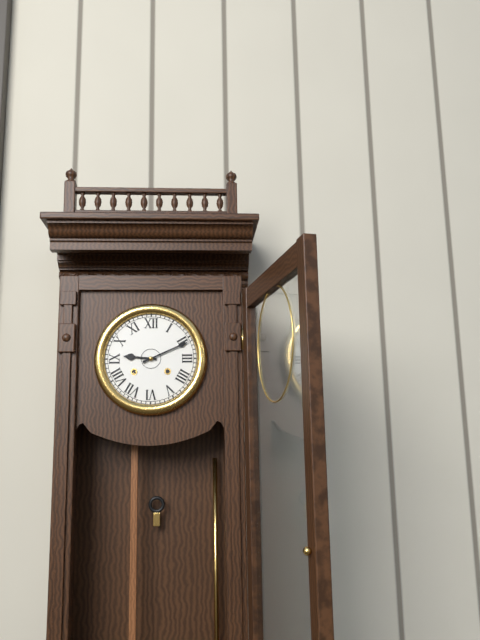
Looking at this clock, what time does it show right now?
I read 9:11
